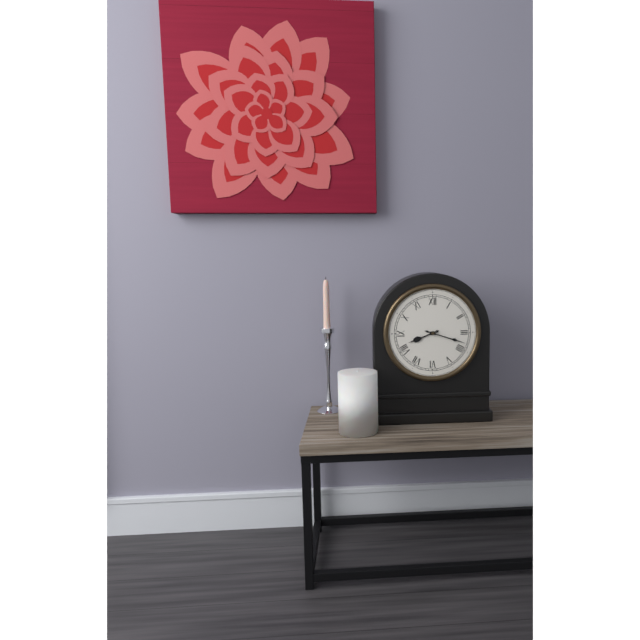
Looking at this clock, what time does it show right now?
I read 8:18
